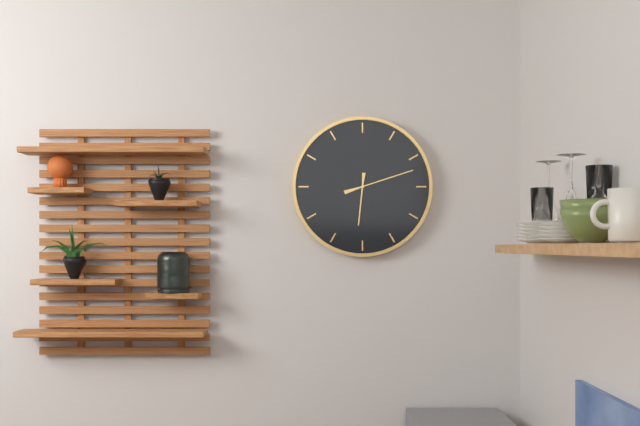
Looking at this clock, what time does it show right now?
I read 6:12
